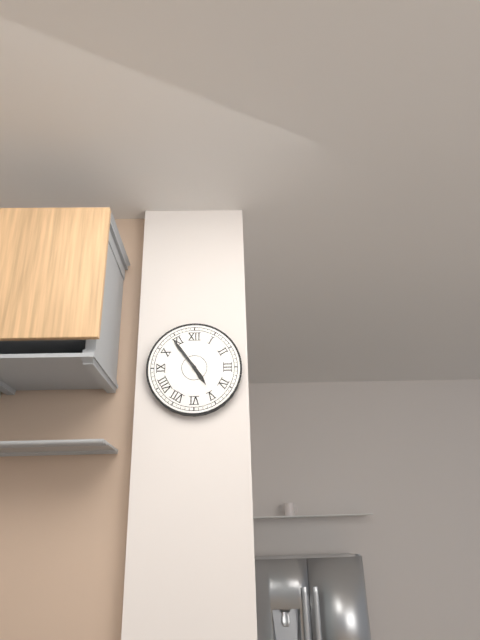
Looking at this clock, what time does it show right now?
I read 4:54
